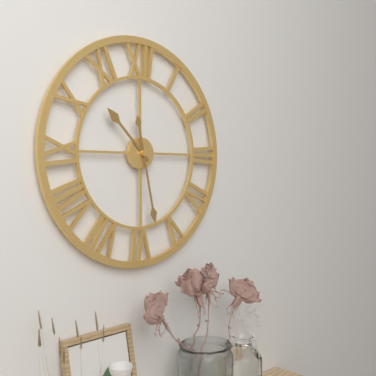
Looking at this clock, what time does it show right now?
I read 10:28
